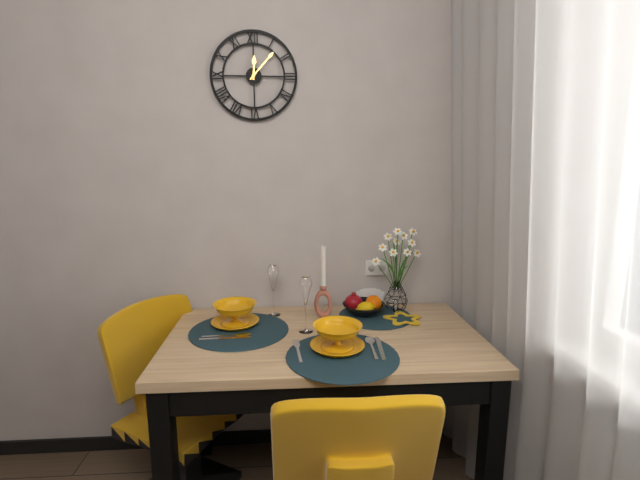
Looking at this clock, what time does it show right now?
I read 12:07
